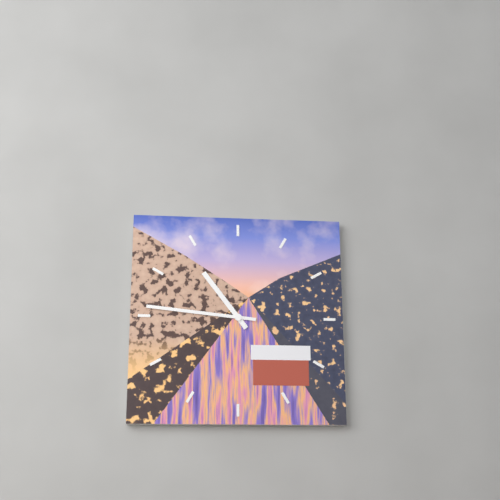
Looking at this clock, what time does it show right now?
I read 10:46
